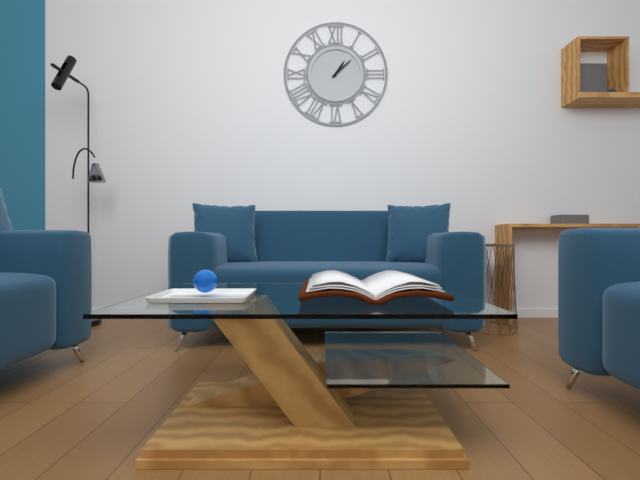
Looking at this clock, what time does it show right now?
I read 1:08
